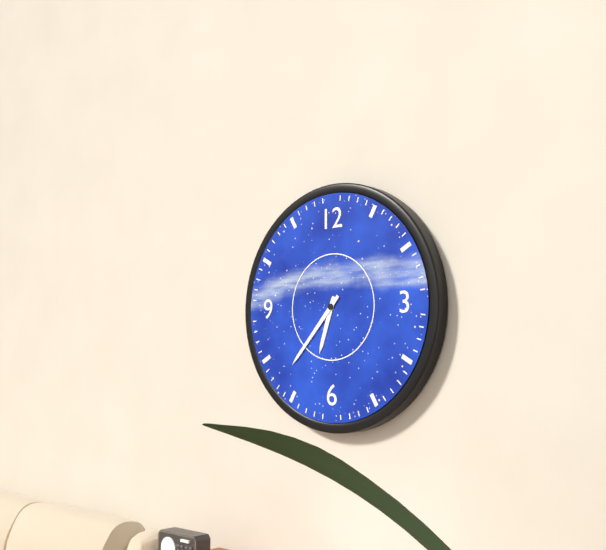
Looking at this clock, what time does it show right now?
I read 6:37
